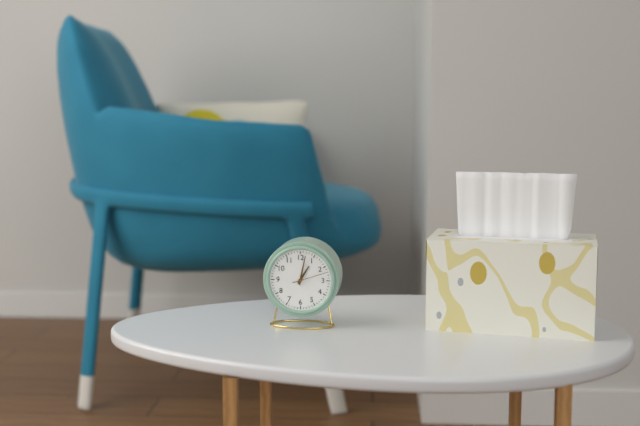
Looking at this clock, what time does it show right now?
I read 1:02
